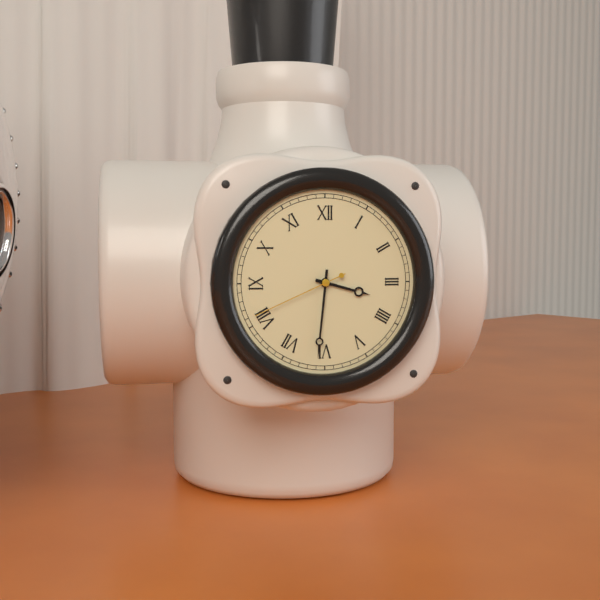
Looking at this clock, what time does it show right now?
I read 3:31:41
